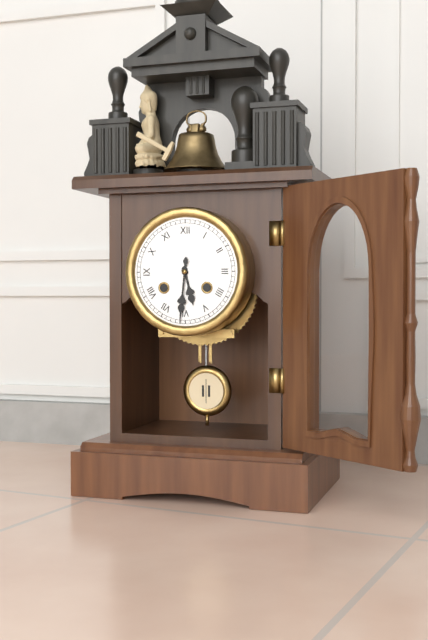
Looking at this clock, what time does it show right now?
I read 5:31
